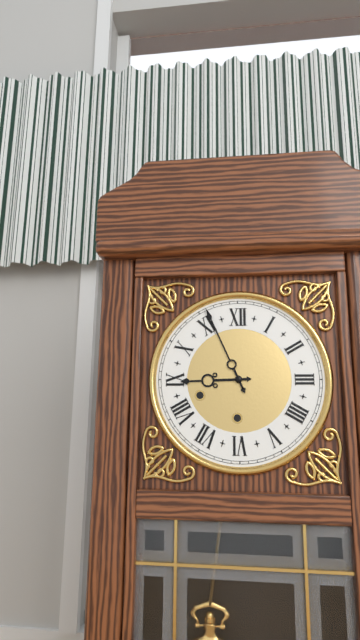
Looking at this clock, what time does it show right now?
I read 8:56
